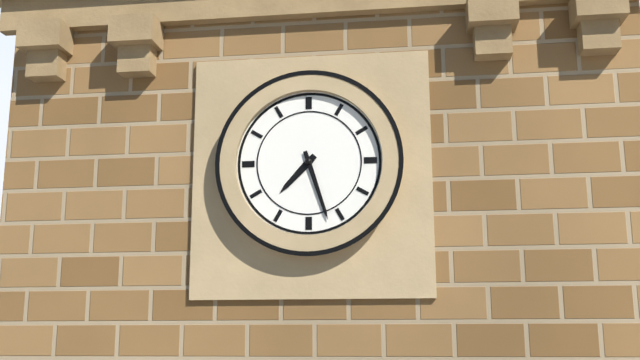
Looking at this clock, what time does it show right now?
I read 7:27
